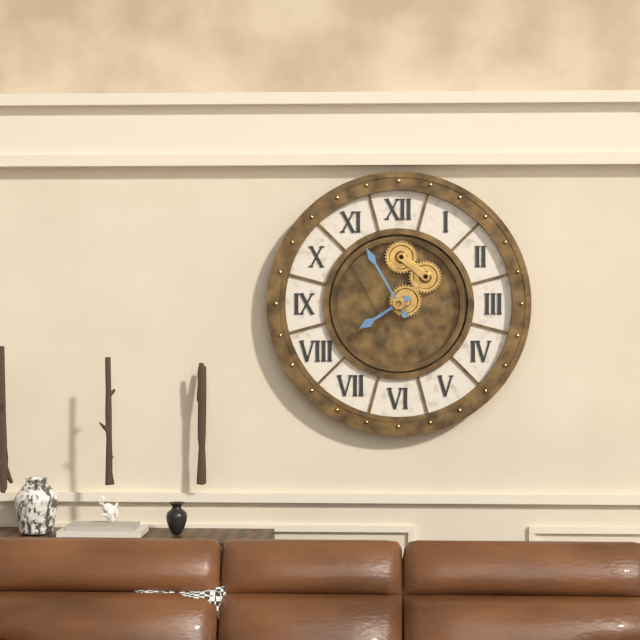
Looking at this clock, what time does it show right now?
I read 7:55
